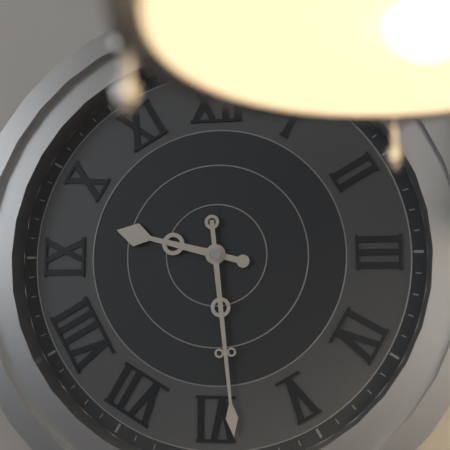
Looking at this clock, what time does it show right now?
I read 9:29
